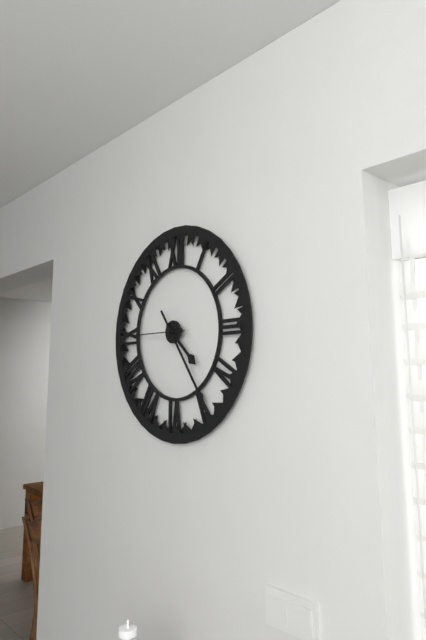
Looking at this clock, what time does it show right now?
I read 4:24:45
